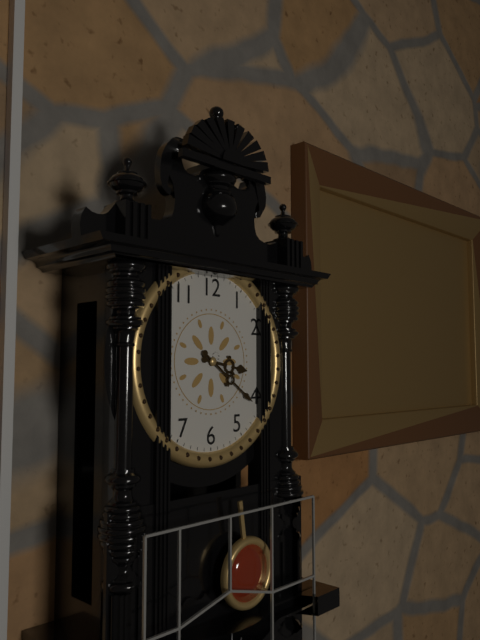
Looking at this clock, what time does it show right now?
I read 3:21
